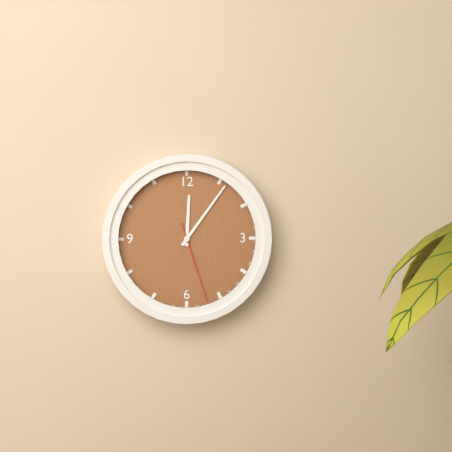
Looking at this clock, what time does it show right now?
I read 12:06:27
